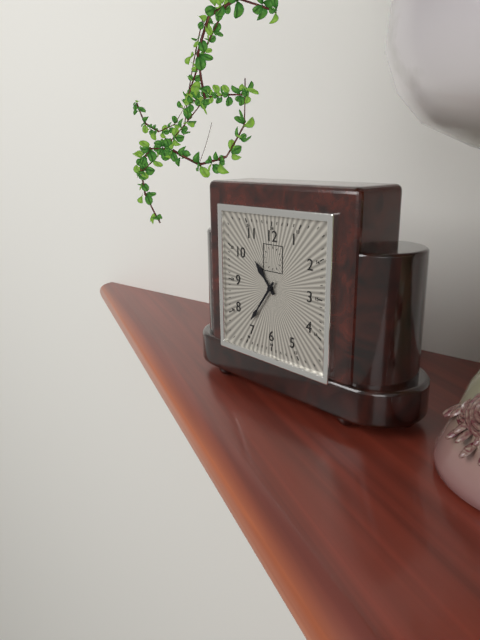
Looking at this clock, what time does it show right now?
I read 10:36
